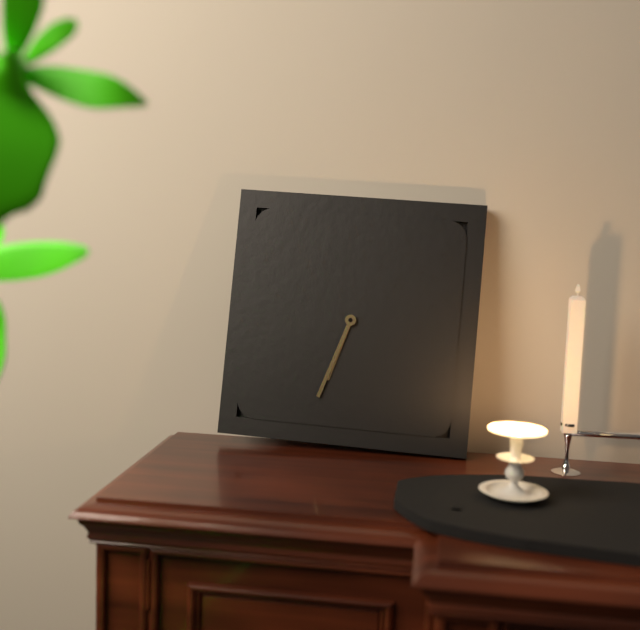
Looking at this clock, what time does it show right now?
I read 6:33
